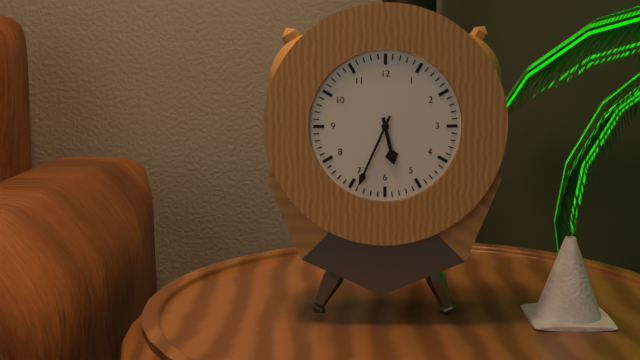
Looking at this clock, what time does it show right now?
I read 5:34
